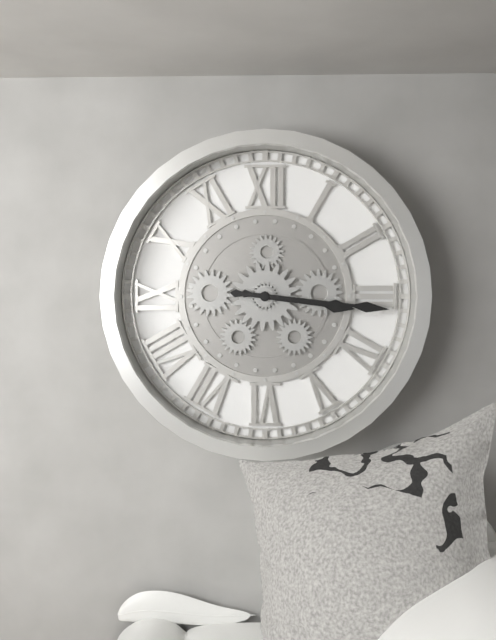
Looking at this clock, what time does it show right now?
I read 3:16
